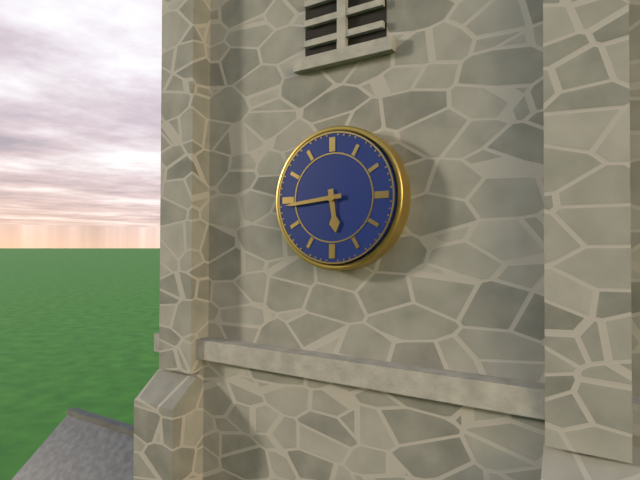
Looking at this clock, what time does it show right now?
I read 5:44
